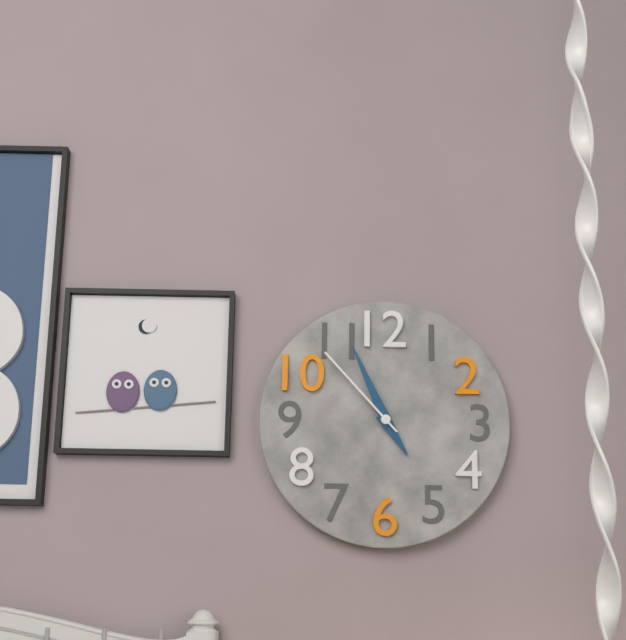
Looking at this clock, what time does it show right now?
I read 4:56:53
